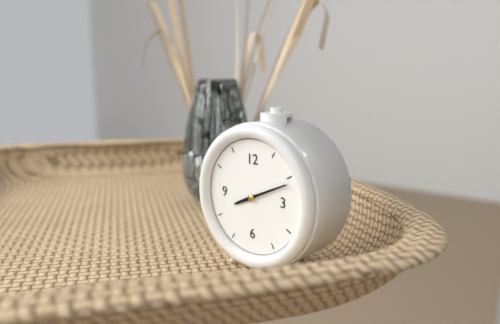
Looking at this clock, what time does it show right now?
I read 8:11
